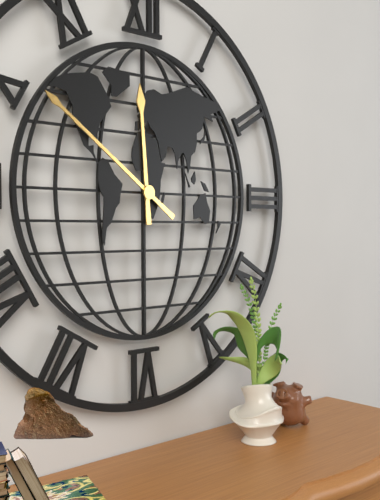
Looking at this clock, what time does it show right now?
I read 11:51
